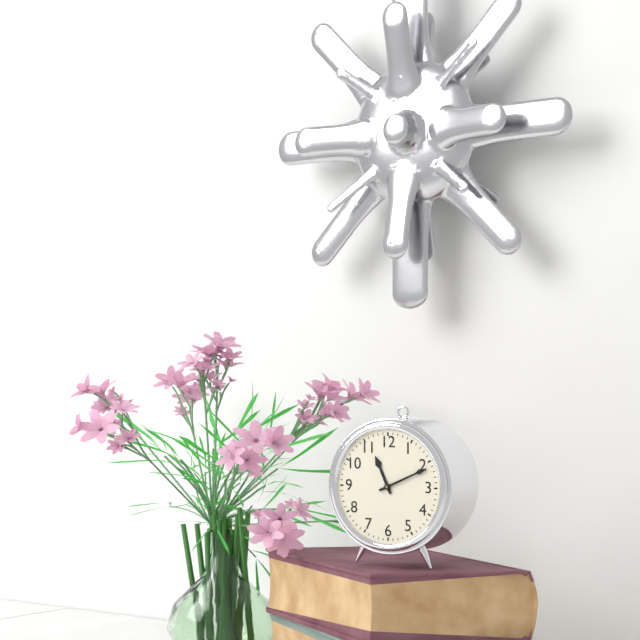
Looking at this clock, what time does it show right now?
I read 11:11
